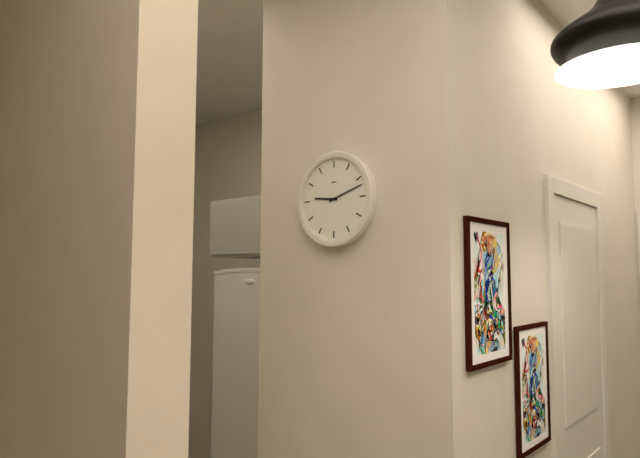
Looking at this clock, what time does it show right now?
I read 9:12
